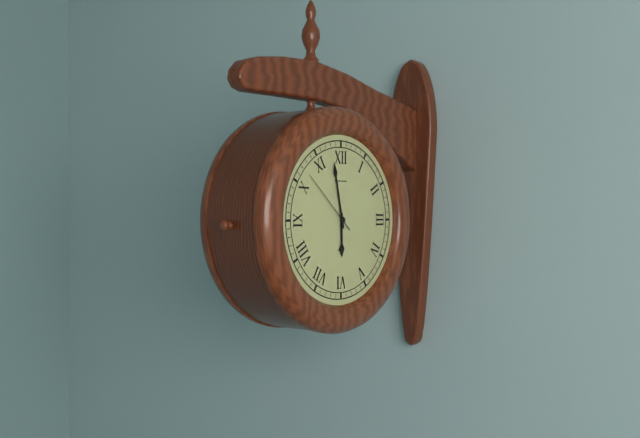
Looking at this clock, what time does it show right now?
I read 5:58:52
